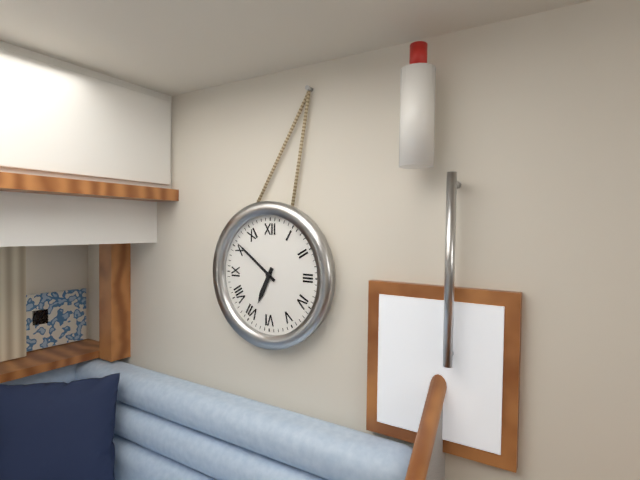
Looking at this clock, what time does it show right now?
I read 6:51
